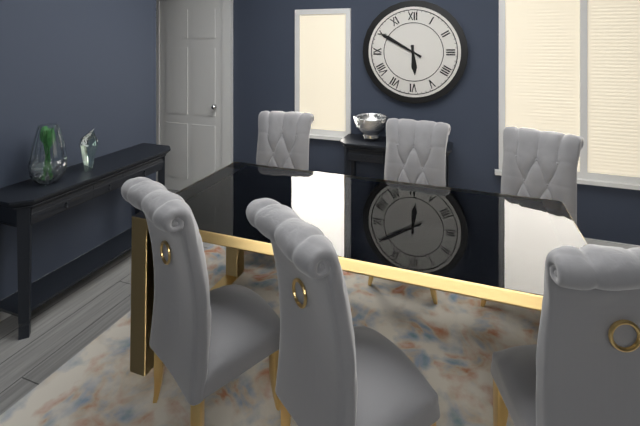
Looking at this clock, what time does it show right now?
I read 5:50
